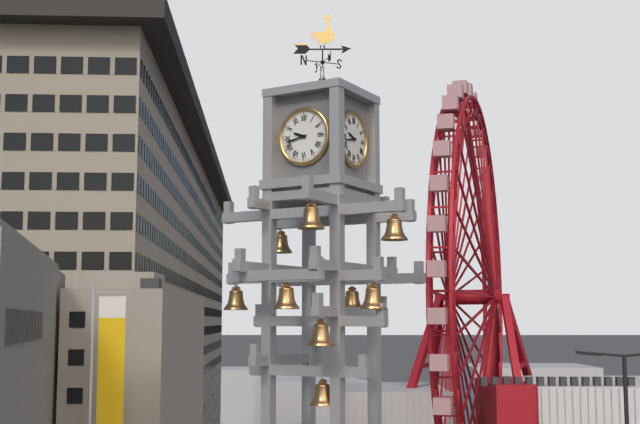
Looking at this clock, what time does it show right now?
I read 9:43
